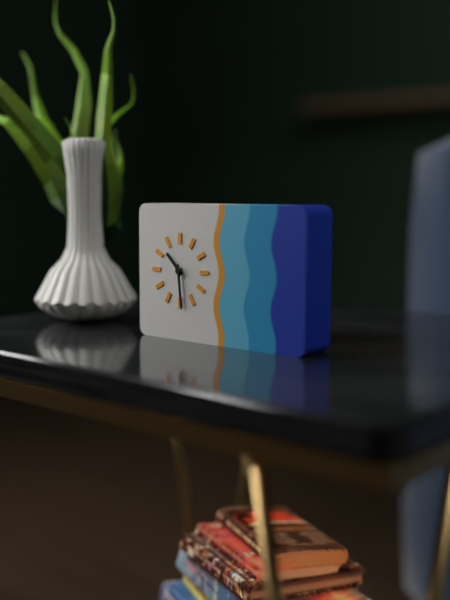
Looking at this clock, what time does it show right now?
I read 10:29
